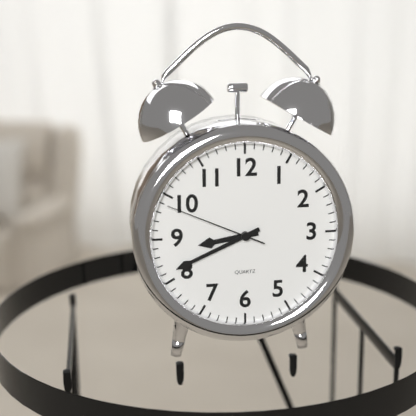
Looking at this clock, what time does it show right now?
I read 8:41:49
